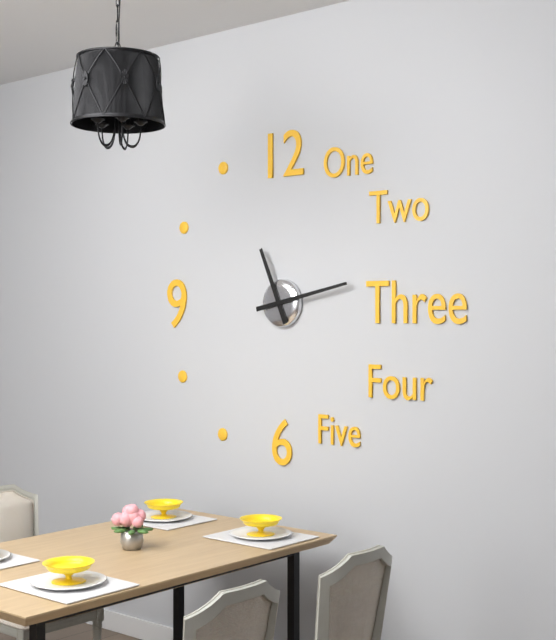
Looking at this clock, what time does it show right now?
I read 11:13
